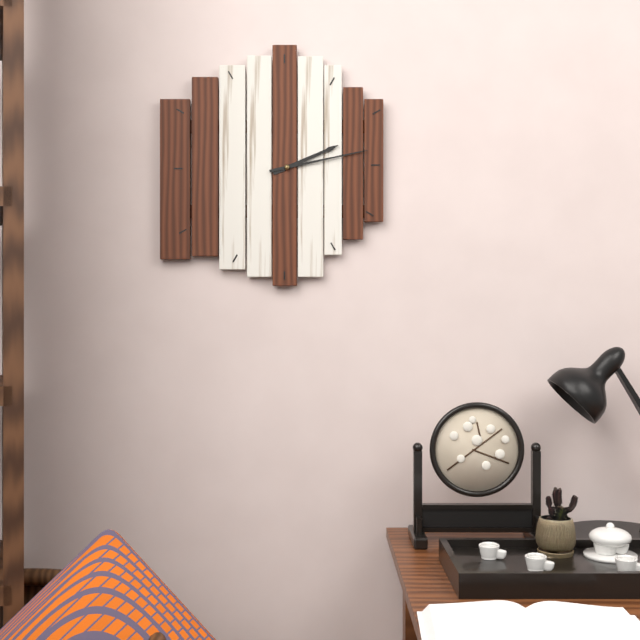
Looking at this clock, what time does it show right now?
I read 2:13
